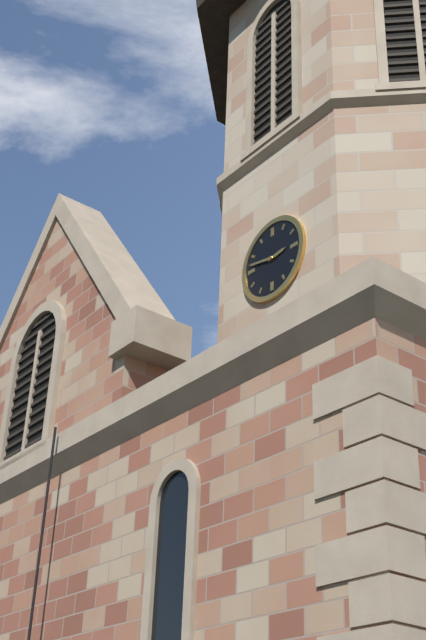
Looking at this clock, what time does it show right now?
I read 2:47
